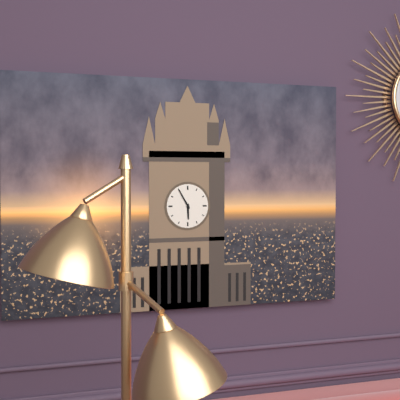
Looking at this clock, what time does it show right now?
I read 5:55
